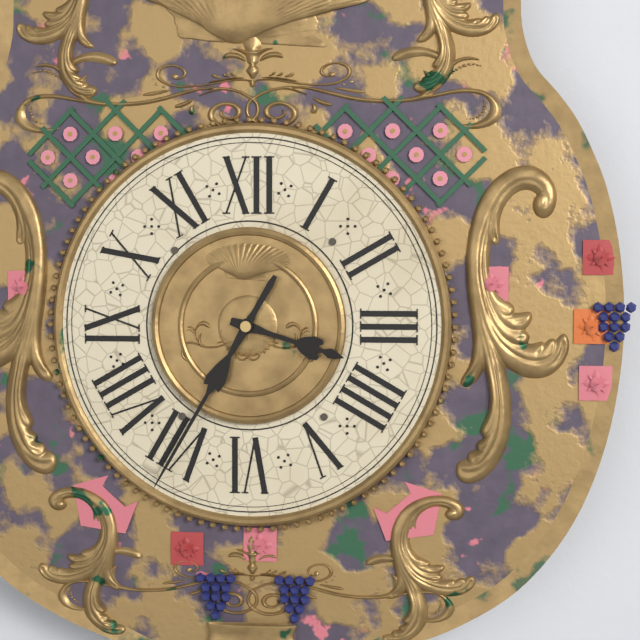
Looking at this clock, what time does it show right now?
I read 3:35
